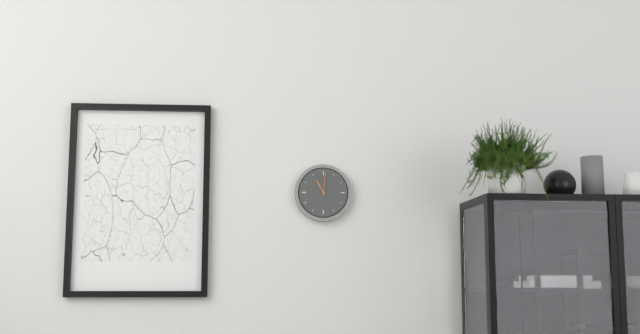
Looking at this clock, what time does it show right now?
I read 11:01
